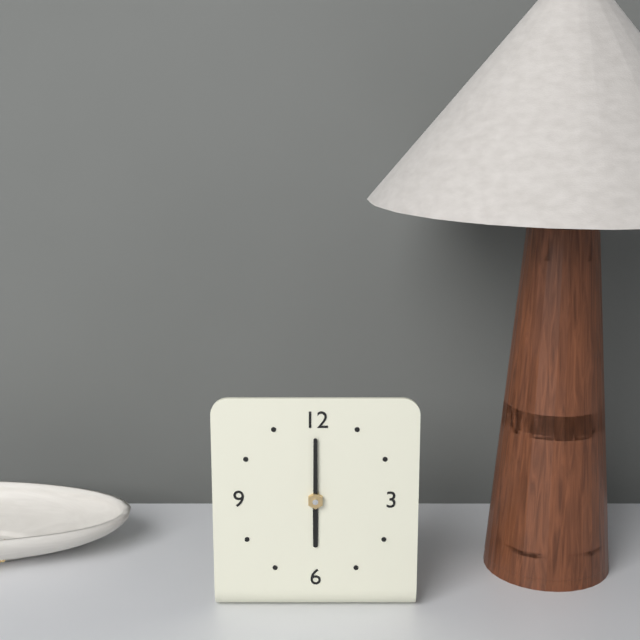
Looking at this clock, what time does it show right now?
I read 6:00
